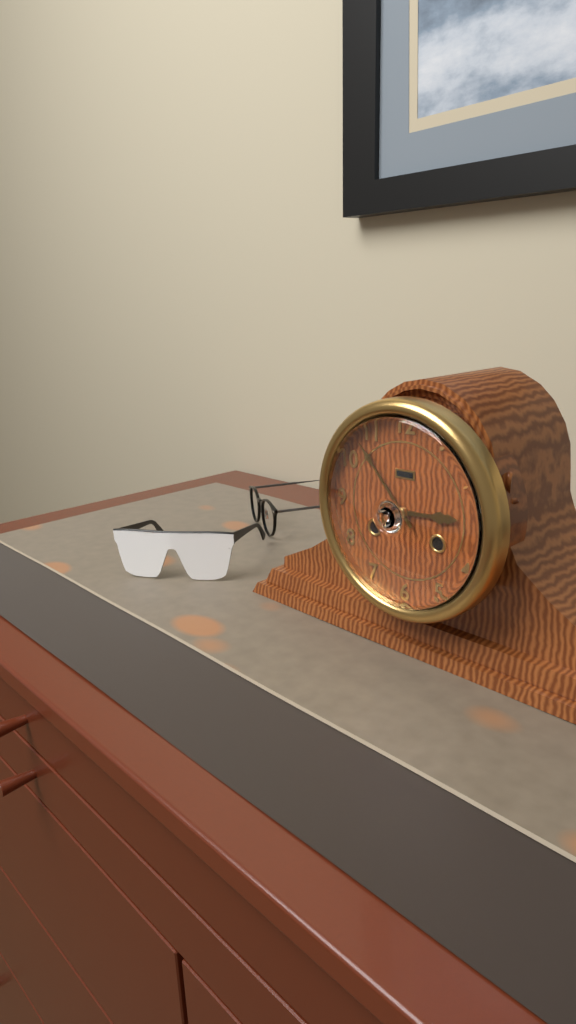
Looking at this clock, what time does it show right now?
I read 2:53
